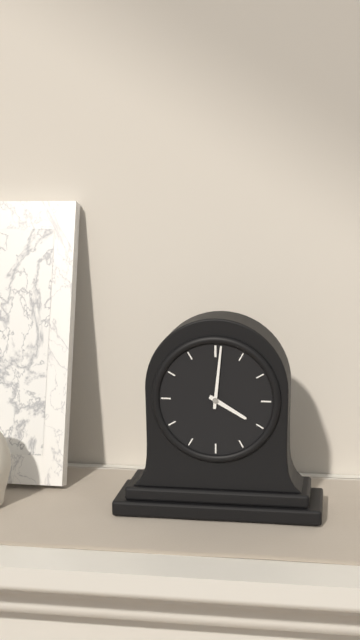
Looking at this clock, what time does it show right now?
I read 4:01
